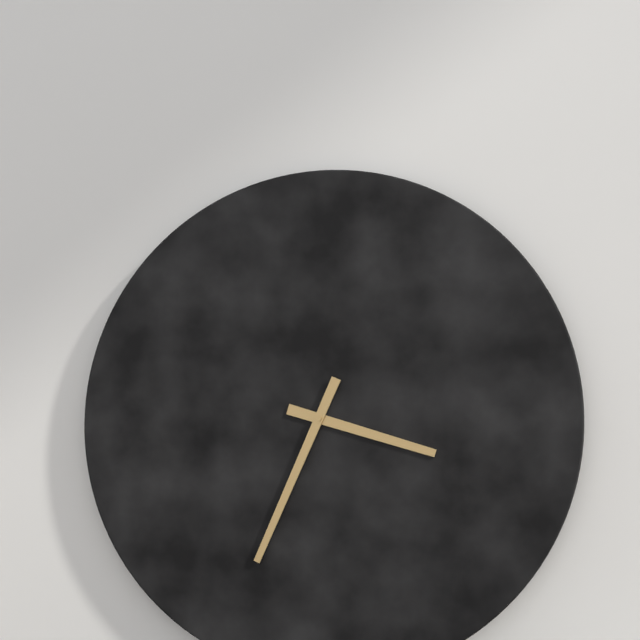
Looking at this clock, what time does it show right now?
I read 3:34
